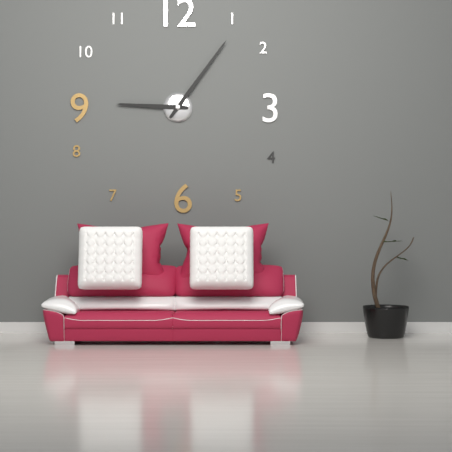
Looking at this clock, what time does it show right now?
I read 9:06
